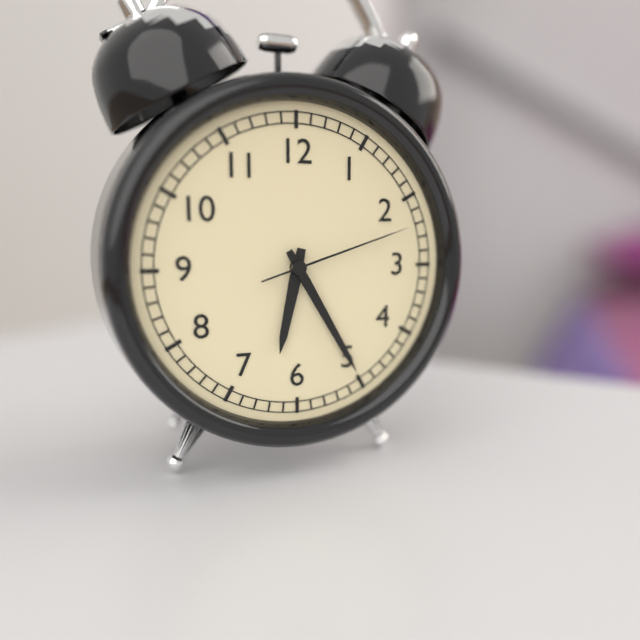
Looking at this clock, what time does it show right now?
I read 6:25:12
